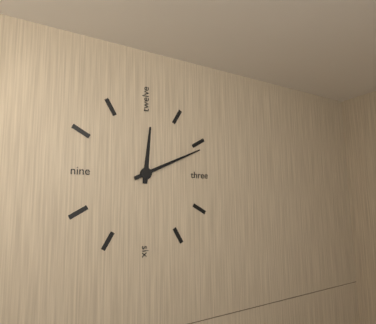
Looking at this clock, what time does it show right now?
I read 12:11
